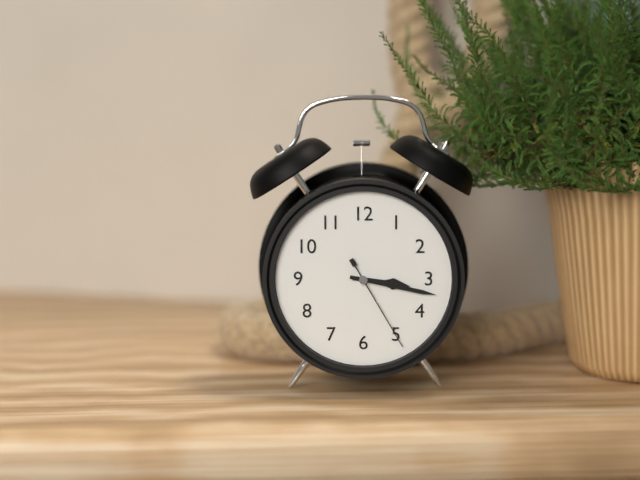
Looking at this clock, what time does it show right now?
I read 3:17:25
